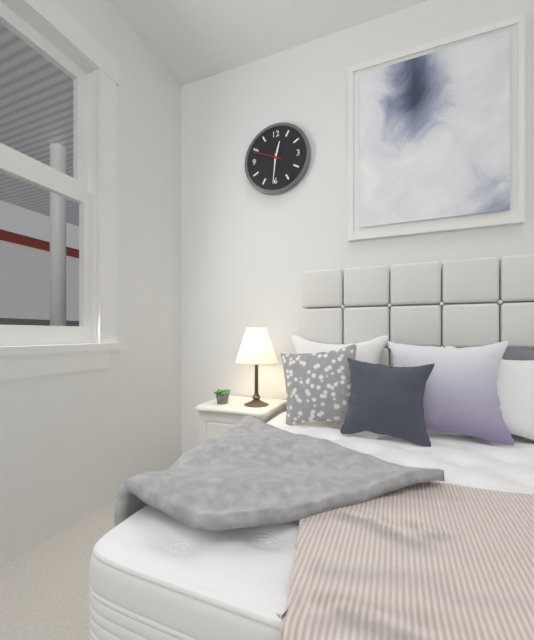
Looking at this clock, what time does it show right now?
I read 12:31
